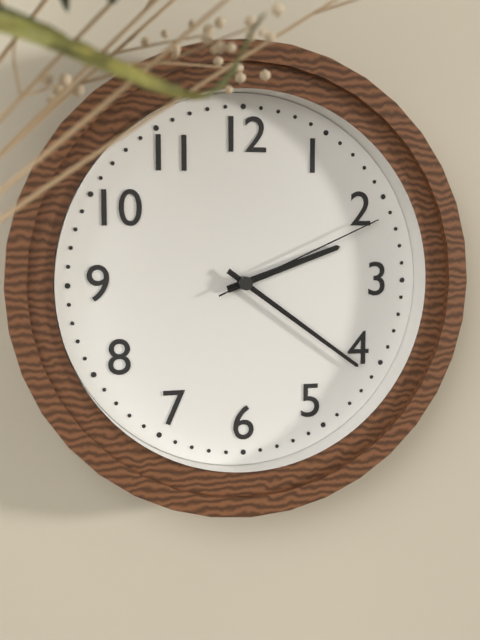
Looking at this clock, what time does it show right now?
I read 2:21:11
